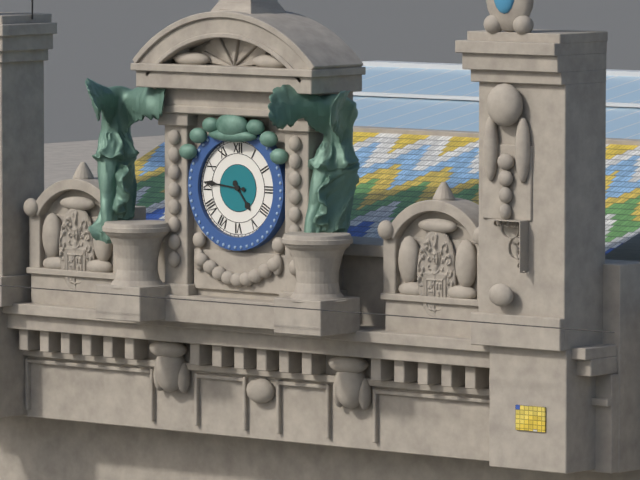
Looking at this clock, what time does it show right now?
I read 4:46
